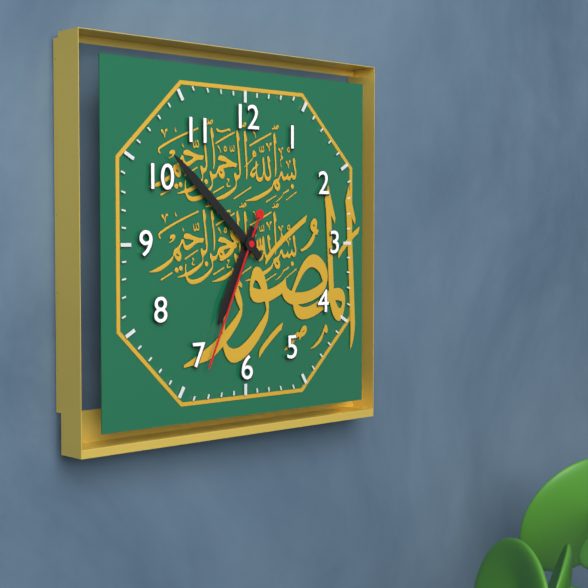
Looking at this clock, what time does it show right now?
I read 6:52:34
